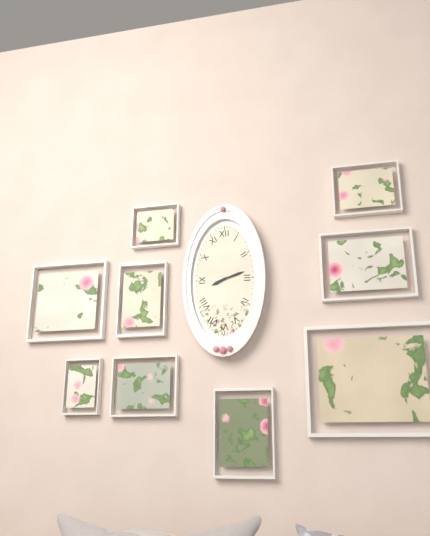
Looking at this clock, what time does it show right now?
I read 8:12
